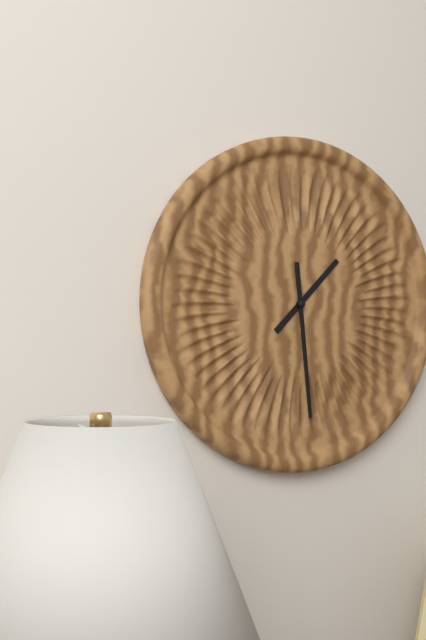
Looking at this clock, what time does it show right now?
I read 1:29
